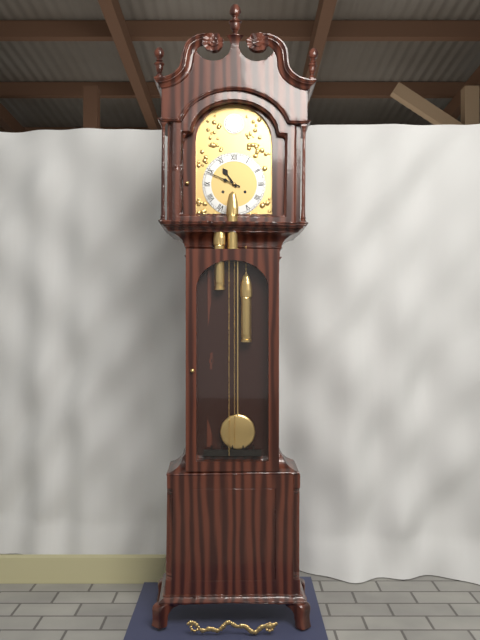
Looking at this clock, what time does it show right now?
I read 10:49
